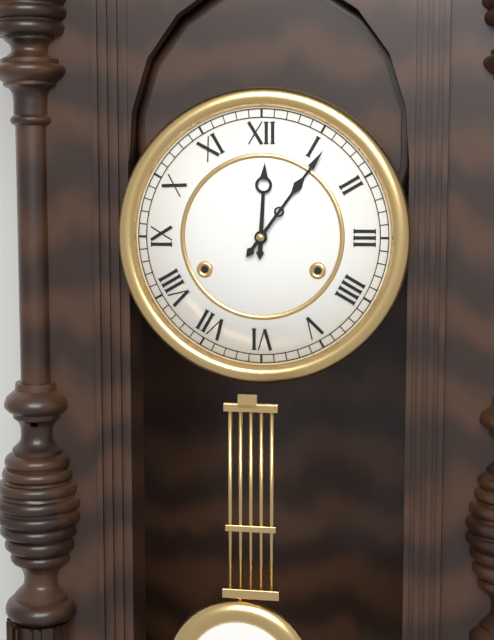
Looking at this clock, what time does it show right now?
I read 12:06
